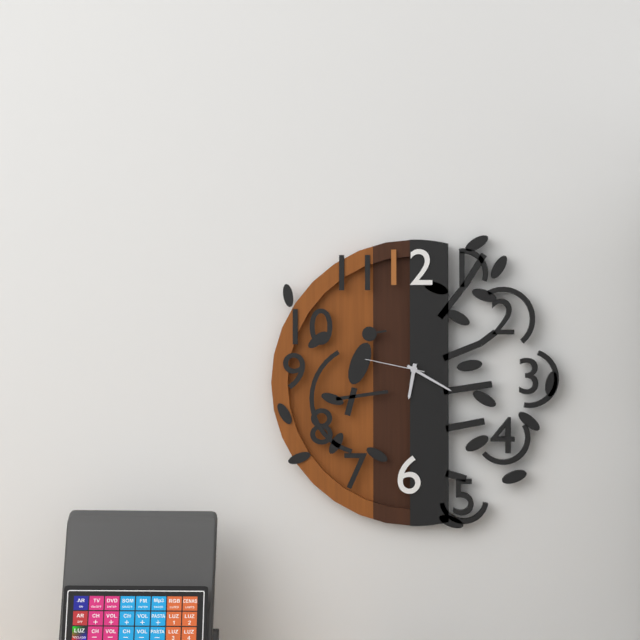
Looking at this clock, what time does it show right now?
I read 6:20:47
